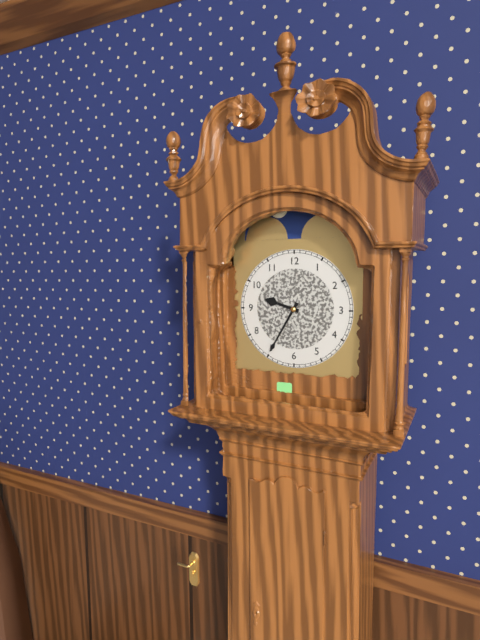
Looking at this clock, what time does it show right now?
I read 9:35
